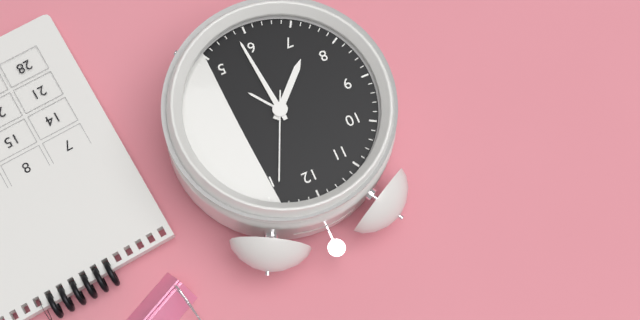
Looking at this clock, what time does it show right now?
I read 7:29:04
